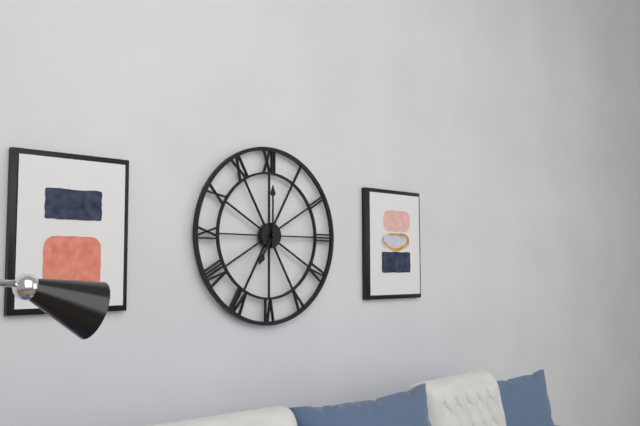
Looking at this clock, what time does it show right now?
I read 7:00
